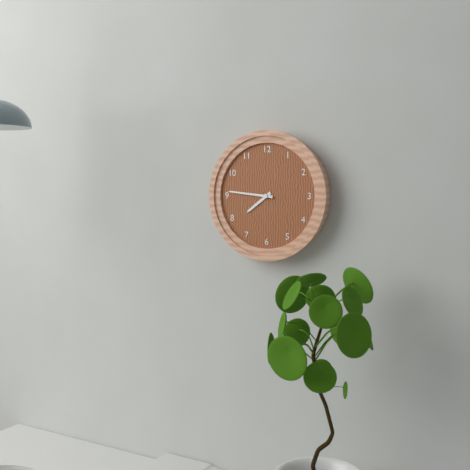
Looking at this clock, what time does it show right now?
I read 7:46
